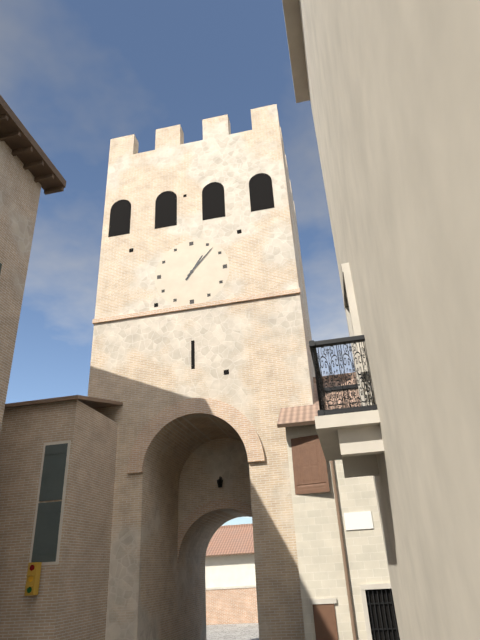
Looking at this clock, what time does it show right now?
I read 1:07
